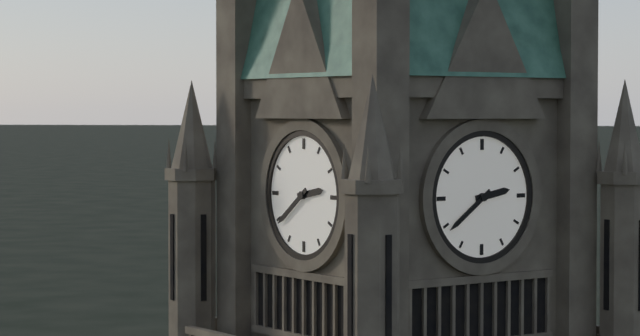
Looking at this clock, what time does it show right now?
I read 2:39
